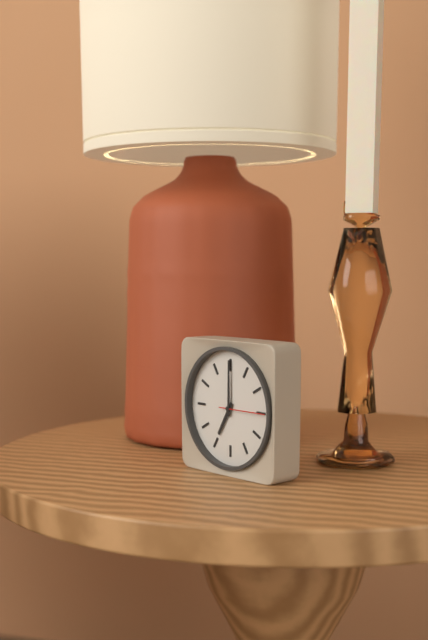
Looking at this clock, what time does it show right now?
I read 7:00
